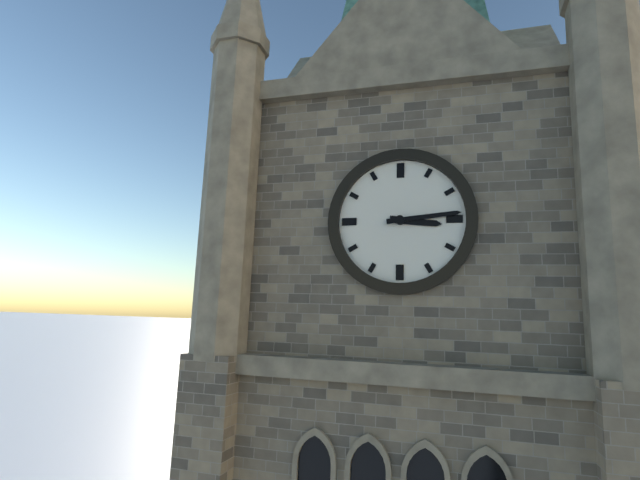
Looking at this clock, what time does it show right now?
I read 3:14
